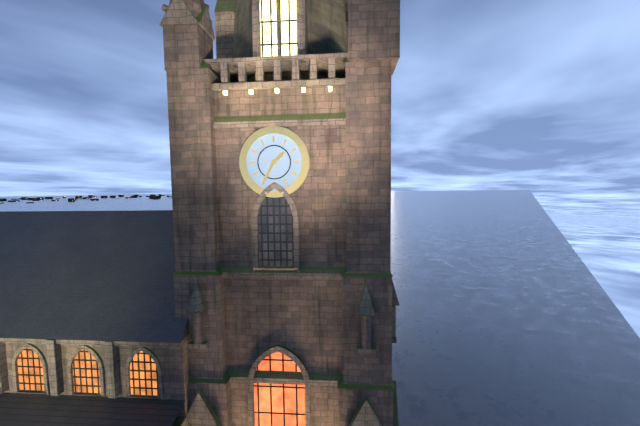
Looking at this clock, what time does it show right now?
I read 1:35
